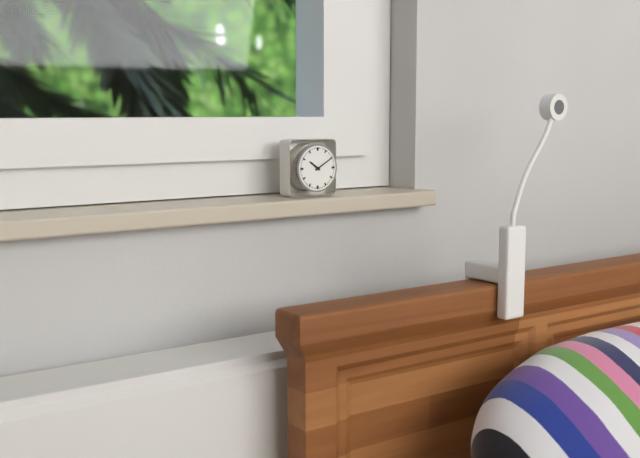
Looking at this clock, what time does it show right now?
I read 10:10
